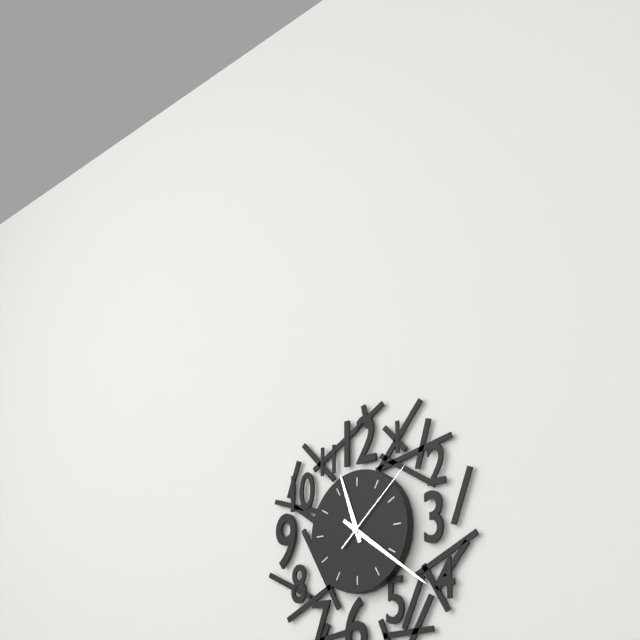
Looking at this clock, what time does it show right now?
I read 11:21:08
